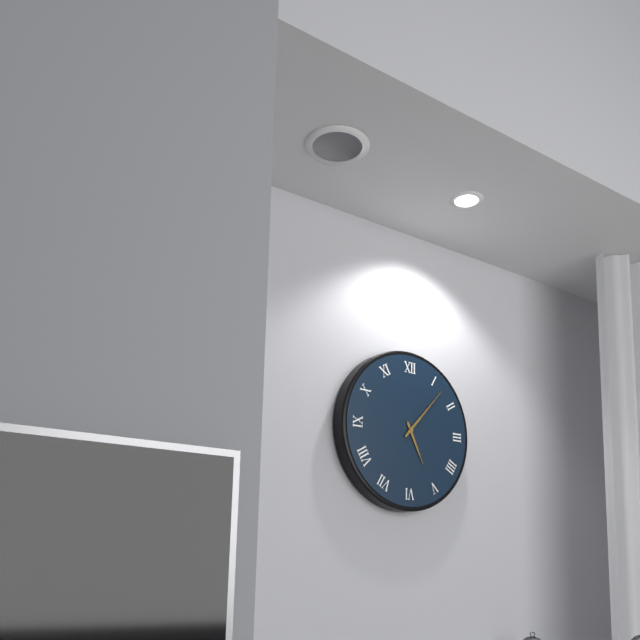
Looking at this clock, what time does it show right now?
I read 5:07
